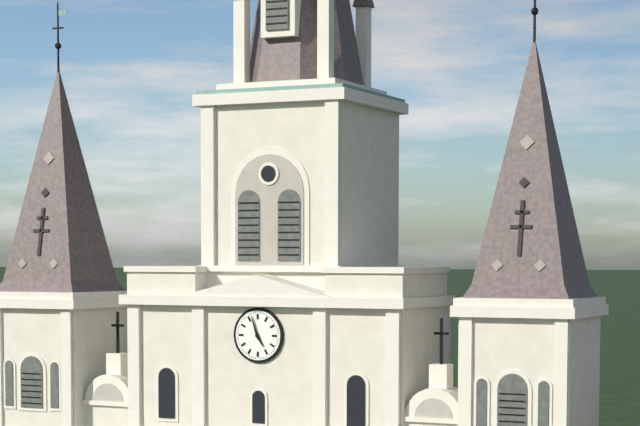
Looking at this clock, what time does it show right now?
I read 4:57
